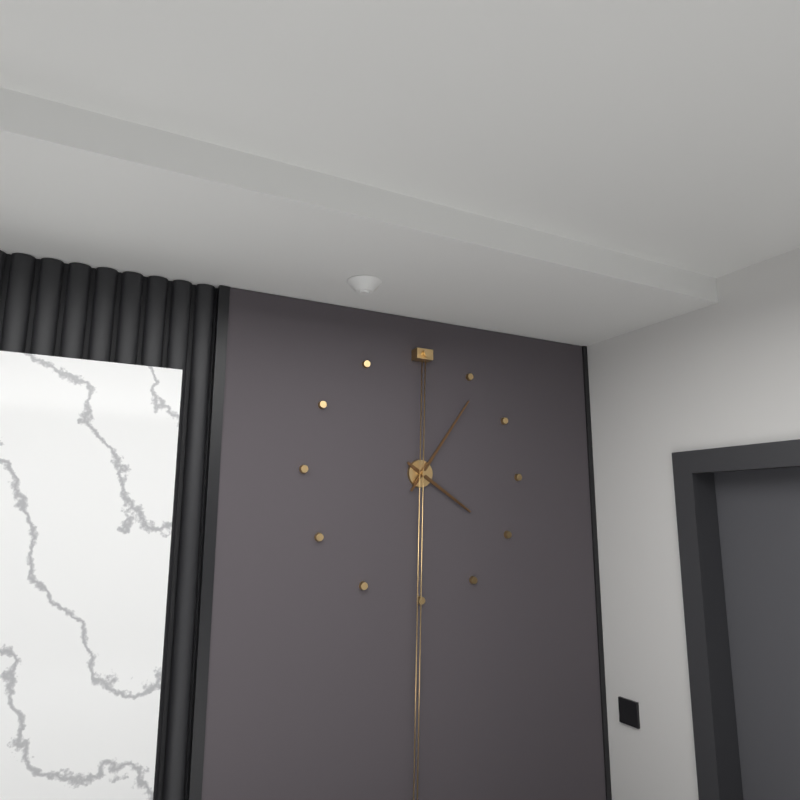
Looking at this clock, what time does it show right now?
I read 4:06
